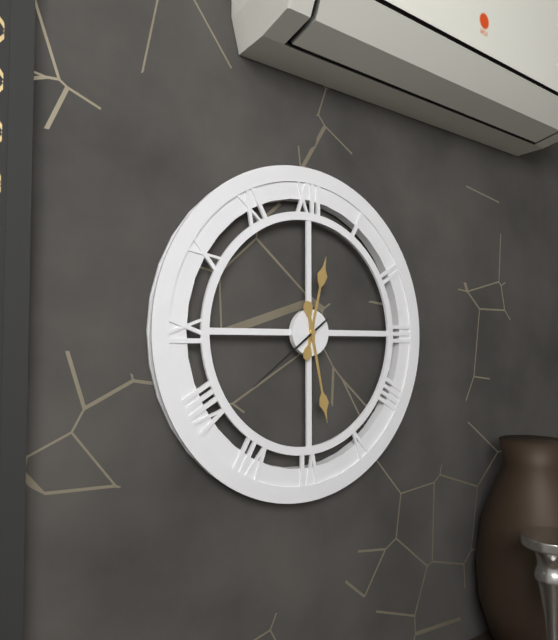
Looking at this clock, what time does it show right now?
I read 12:28:39
